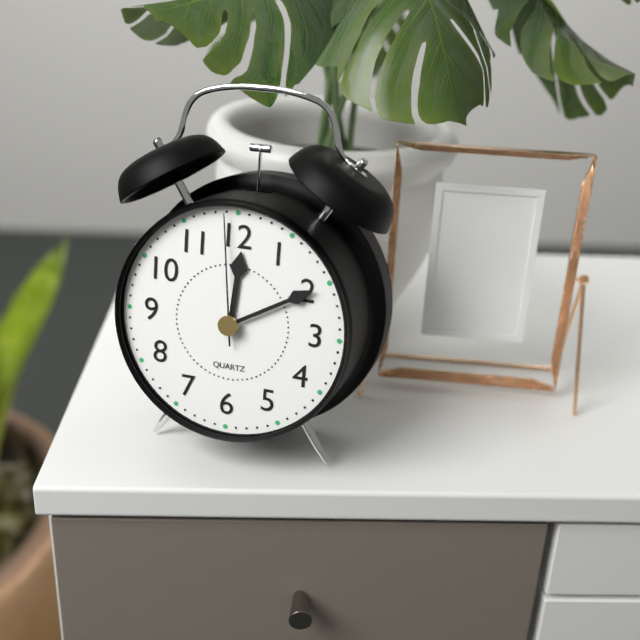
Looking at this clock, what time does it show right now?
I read 12:10:59
